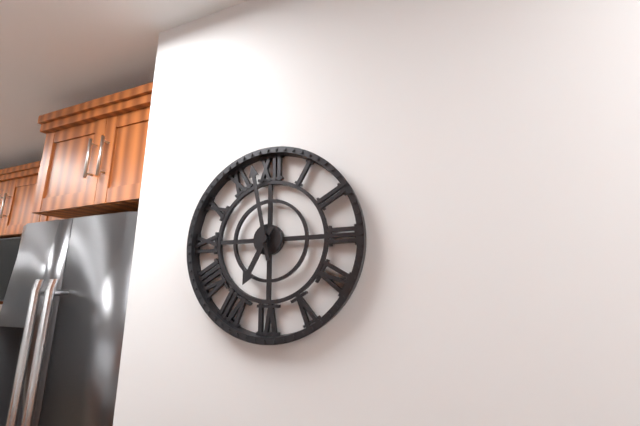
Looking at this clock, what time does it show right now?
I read 6:58
